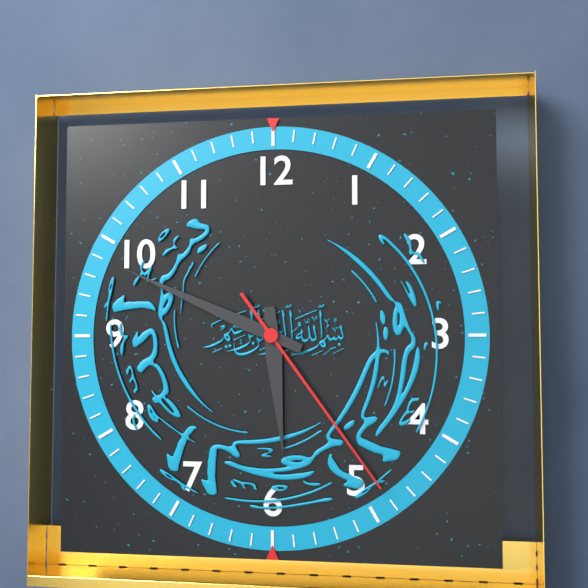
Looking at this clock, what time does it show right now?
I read 5:49:24
